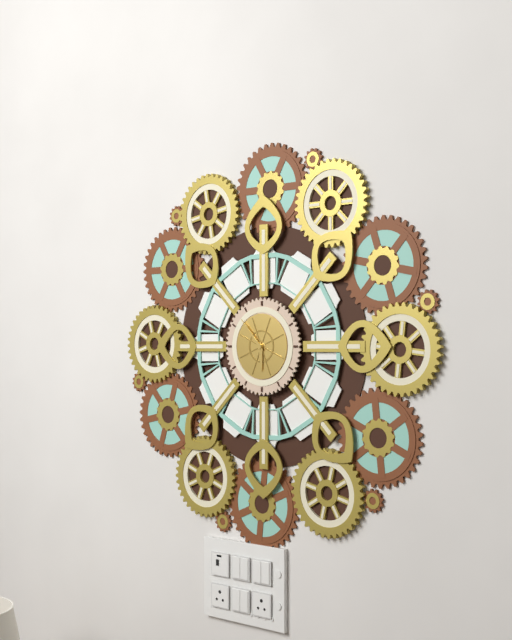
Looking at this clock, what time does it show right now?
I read 5:53
